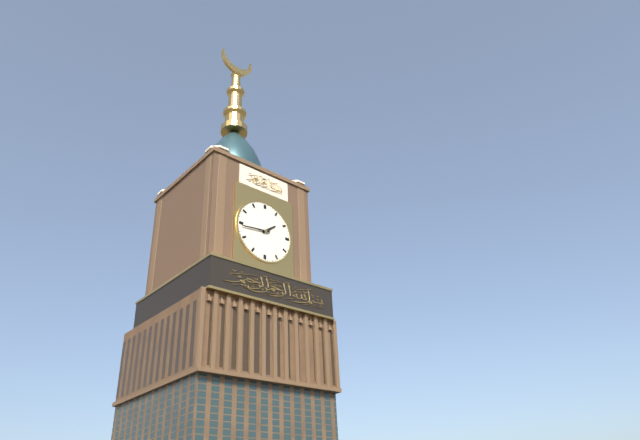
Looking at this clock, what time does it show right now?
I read 1:44
